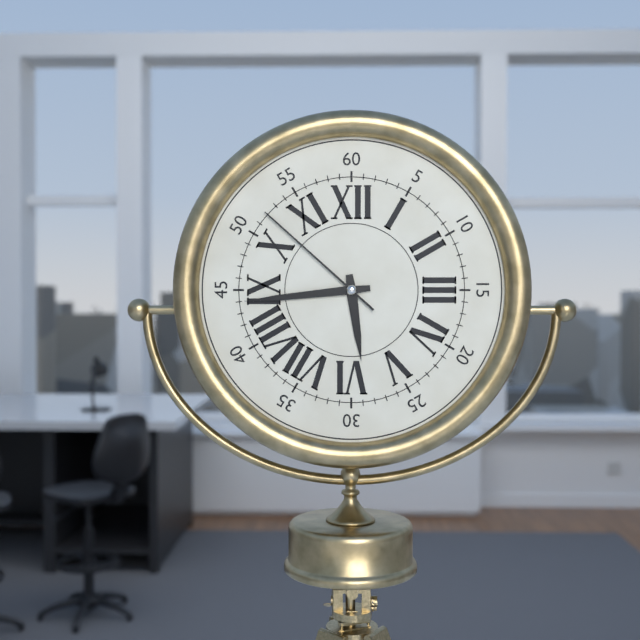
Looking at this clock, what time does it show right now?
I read 5:44:52
